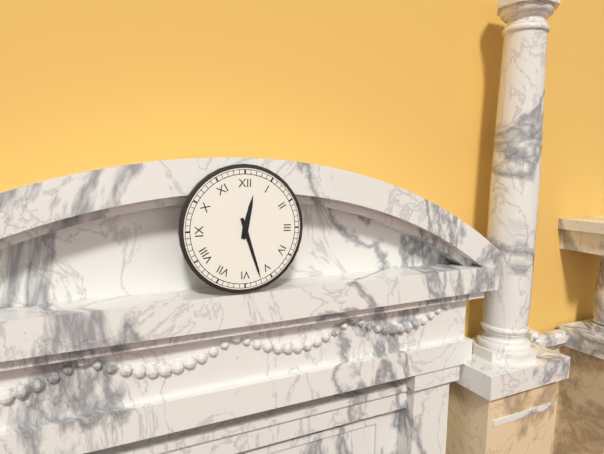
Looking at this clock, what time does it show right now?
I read 12:27
